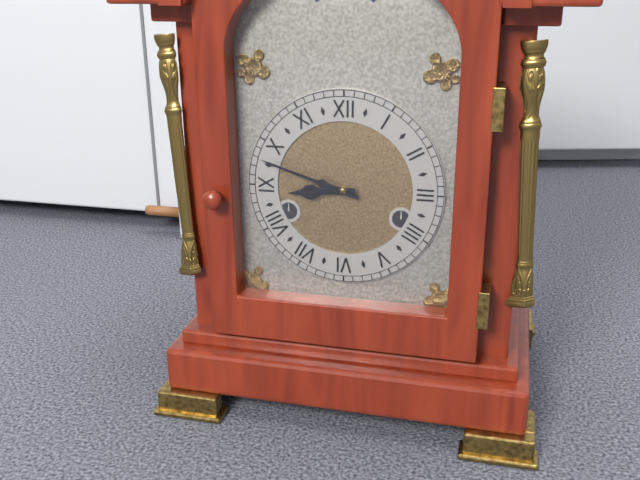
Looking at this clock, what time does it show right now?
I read 8:48
